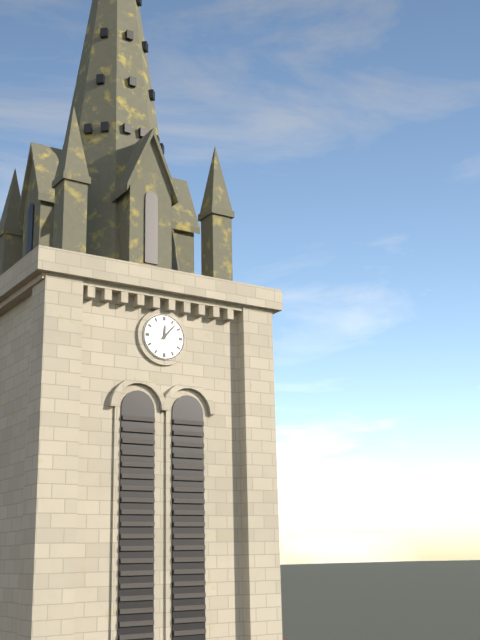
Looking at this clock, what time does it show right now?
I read 12:07
